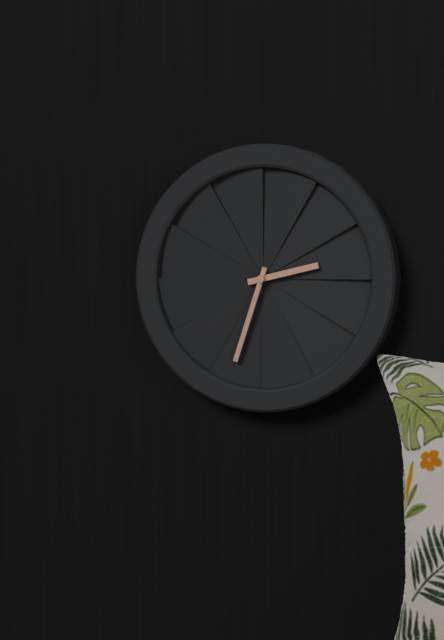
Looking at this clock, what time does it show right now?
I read 2:33
